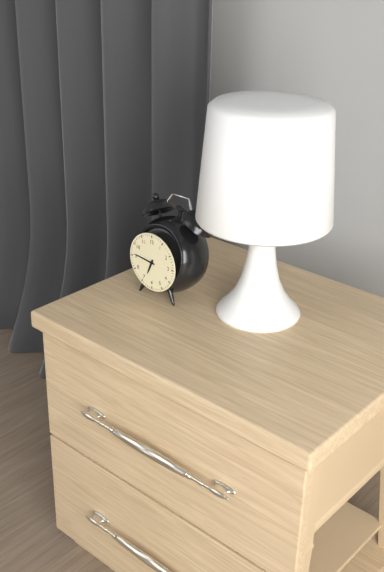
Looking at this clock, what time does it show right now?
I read 6:46
